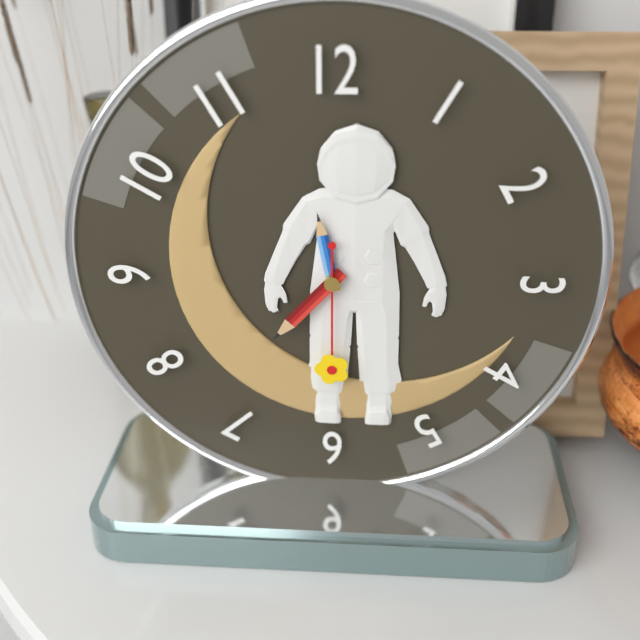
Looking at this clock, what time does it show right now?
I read 11:37:30
